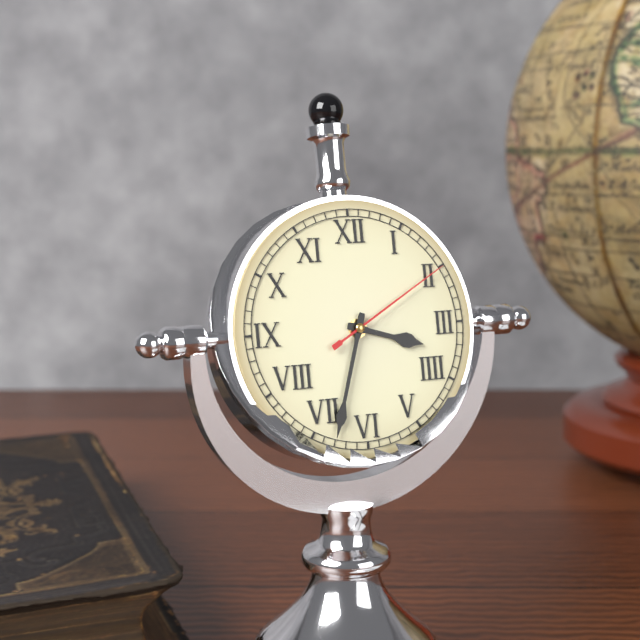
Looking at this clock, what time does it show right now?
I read 3:33:10
